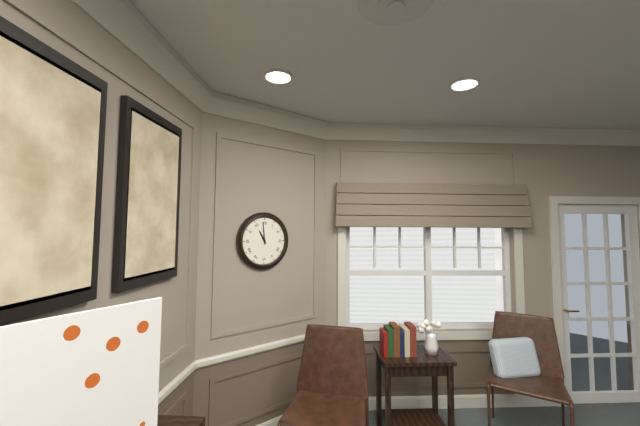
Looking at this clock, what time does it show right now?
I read 10:59
